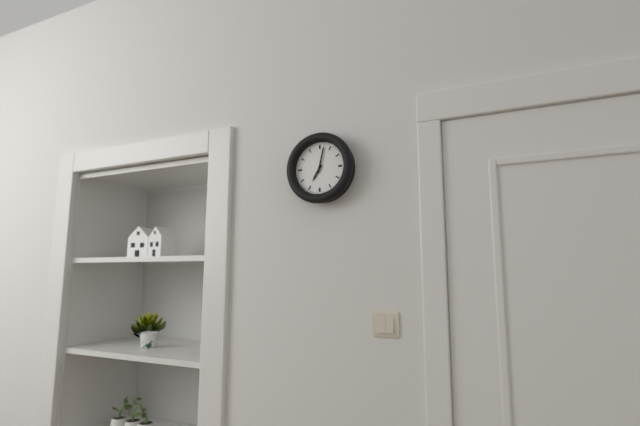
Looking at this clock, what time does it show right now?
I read 7:02
